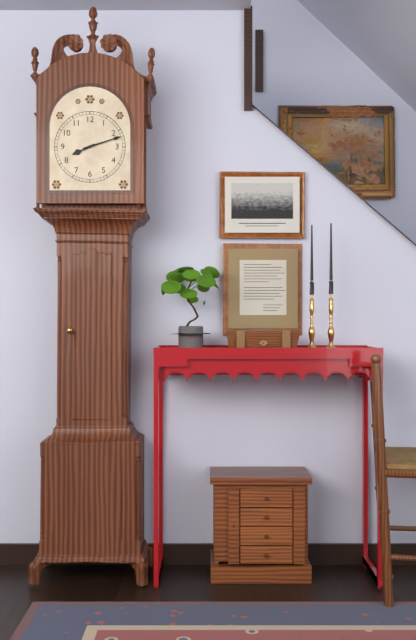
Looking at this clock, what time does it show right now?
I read 8:12
